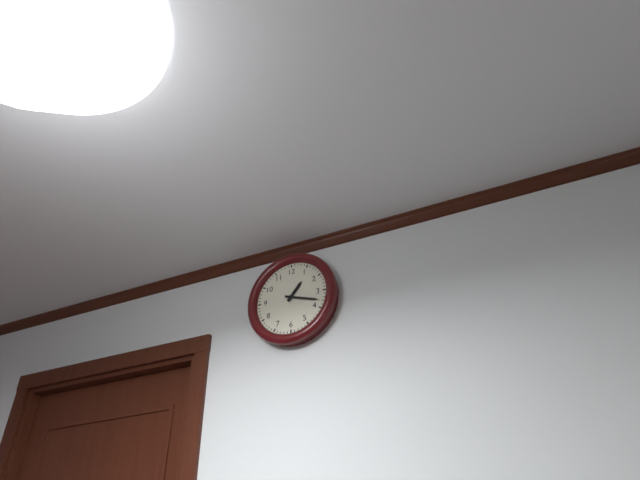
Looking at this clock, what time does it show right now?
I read 1:18
